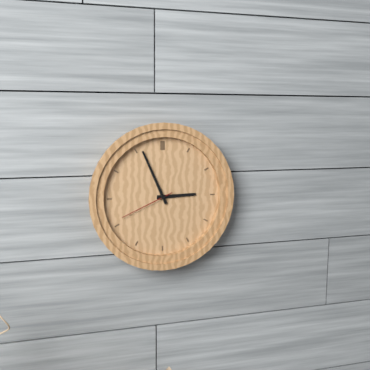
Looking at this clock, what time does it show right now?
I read 2:56:41
